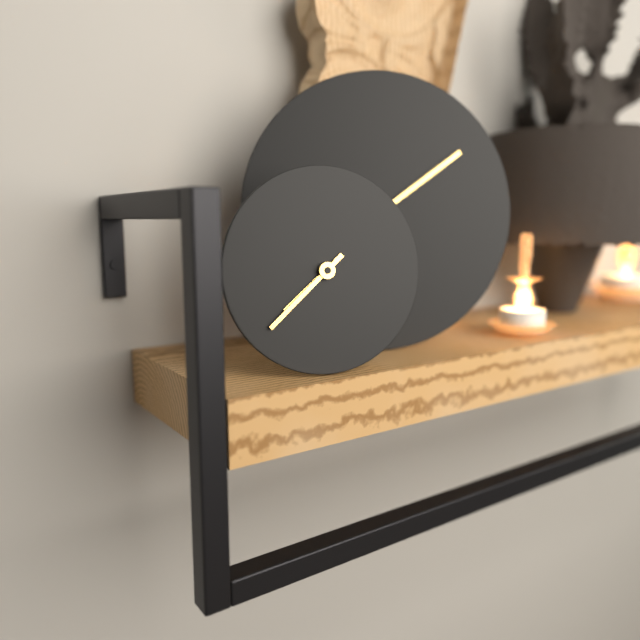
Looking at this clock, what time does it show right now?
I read 7:38
